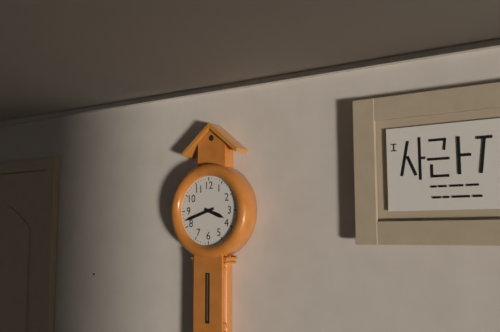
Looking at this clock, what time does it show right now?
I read 3:42
